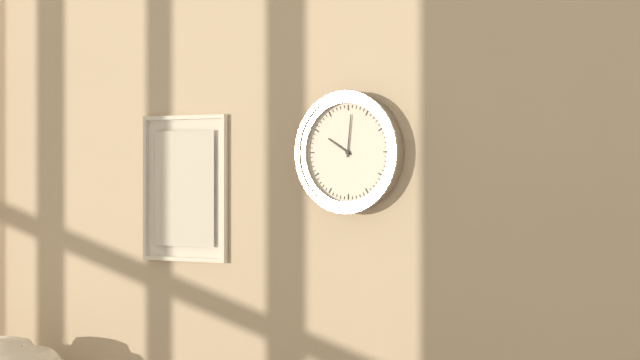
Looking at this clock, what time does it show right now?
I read 10:01
